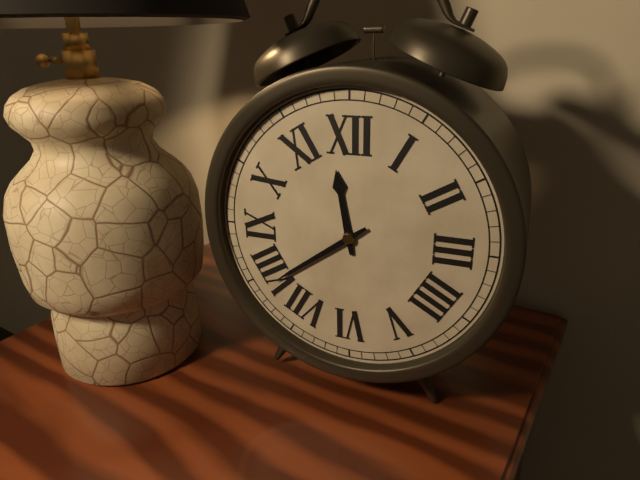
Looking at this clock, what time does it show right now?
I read 11:39
